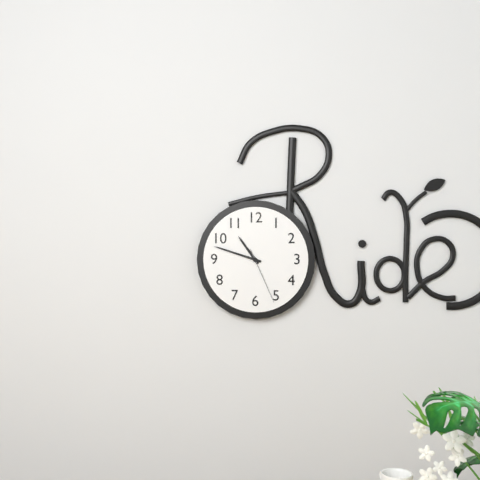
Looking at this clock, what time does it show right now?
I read 10:48:26
